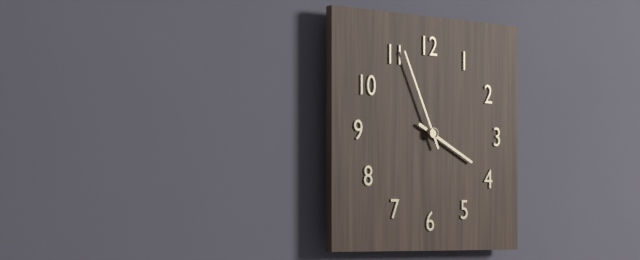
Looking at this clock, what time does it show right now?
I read 3:56
